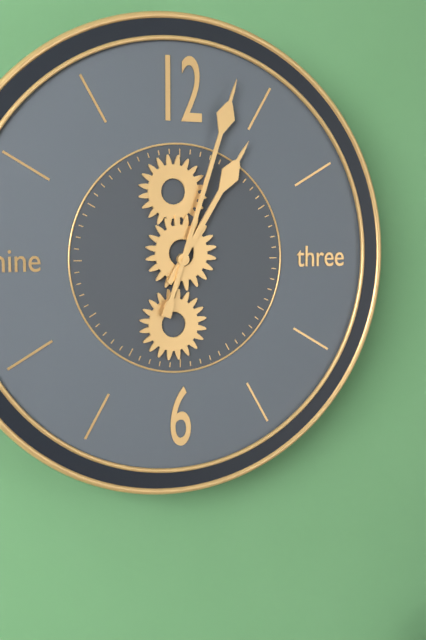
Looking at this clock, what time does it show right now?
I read 1:03
